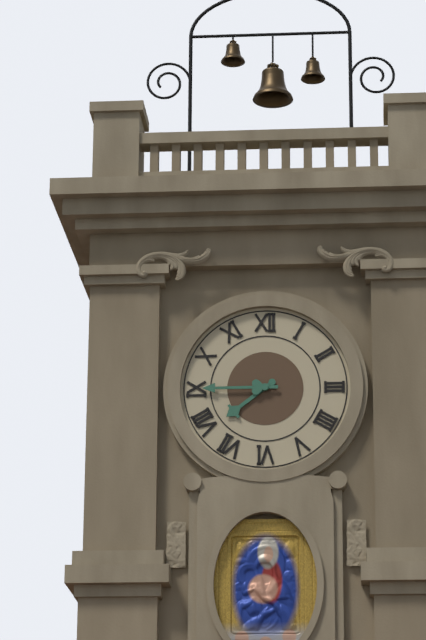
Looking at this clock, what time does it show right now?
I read 7:45
